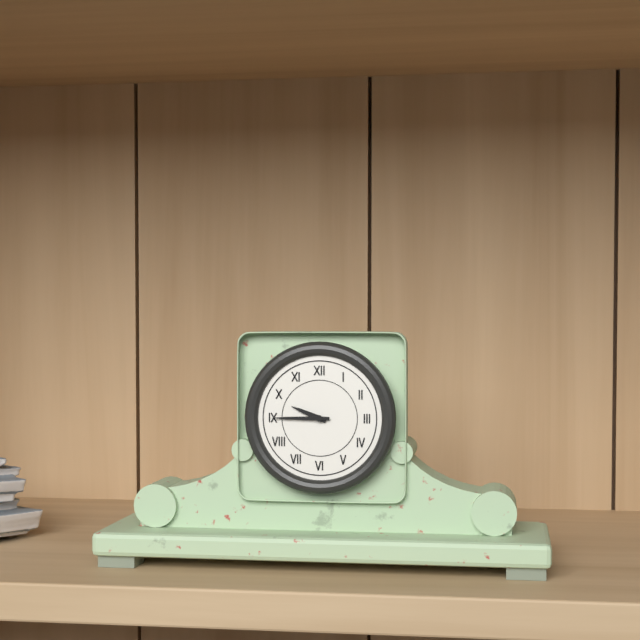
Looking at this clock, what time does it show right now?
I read 9:45
